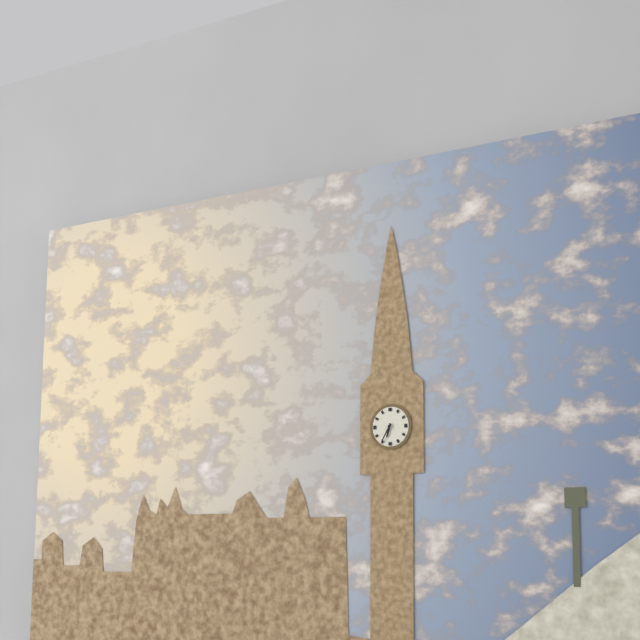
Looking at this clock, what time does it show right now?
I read 6:35
